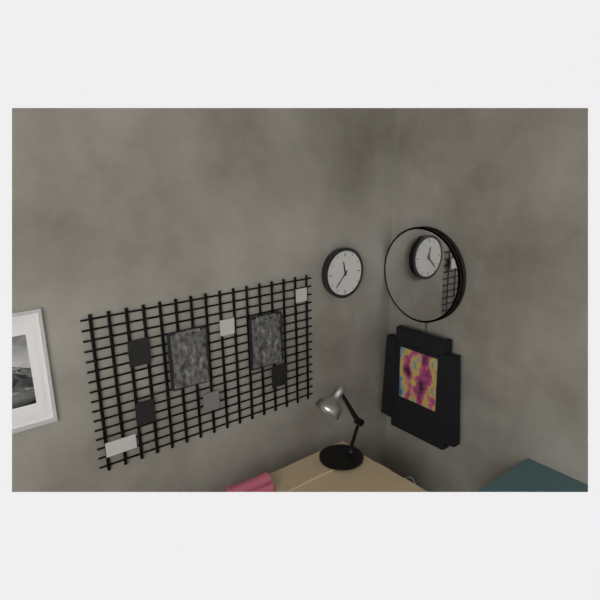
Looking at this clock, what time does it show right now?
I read 11:37
